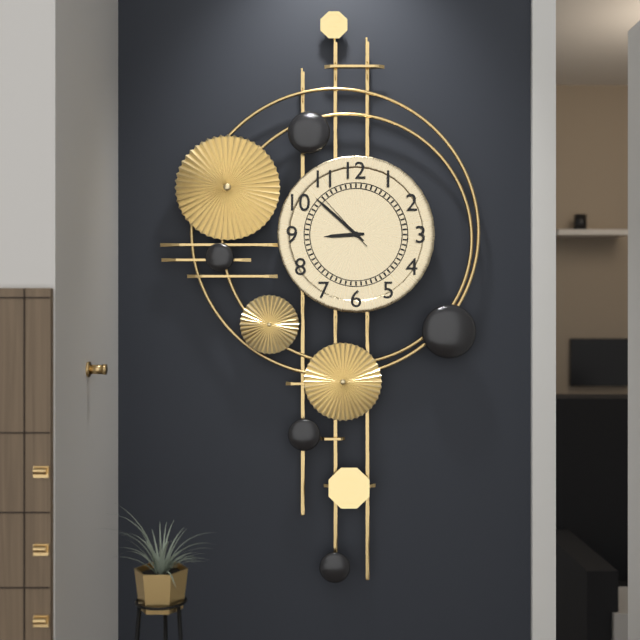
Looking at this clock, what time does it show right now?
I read 8:52:53
